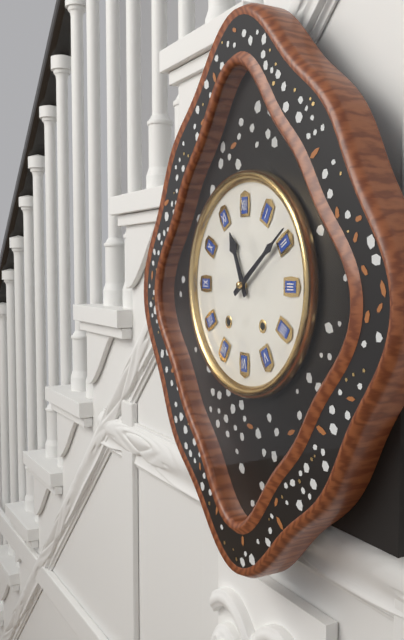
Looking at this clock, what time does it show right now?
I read 11:09
